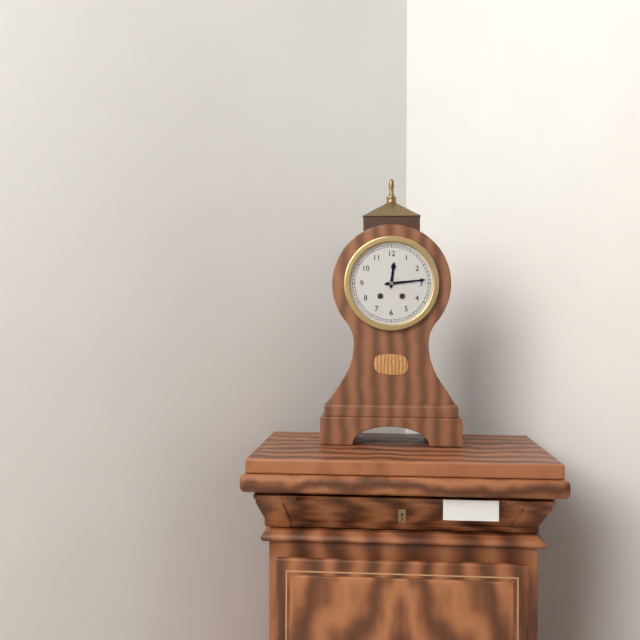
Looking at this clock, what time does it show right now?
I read 12:14
